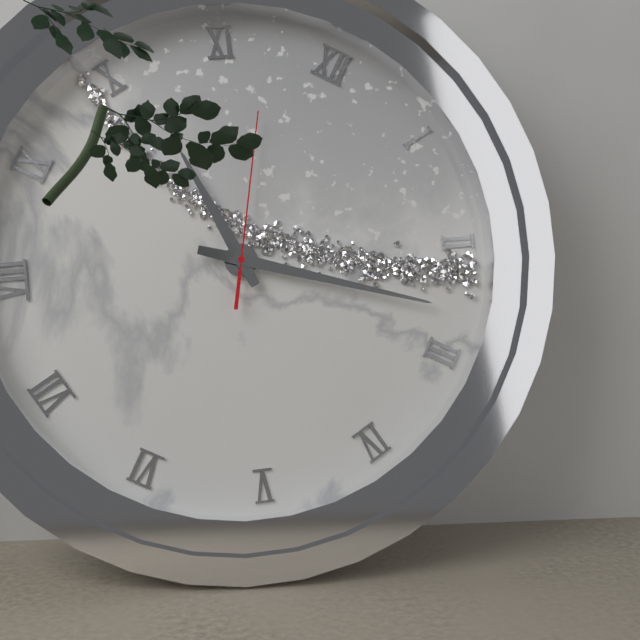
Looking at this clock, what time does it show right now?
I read 10:13:57
